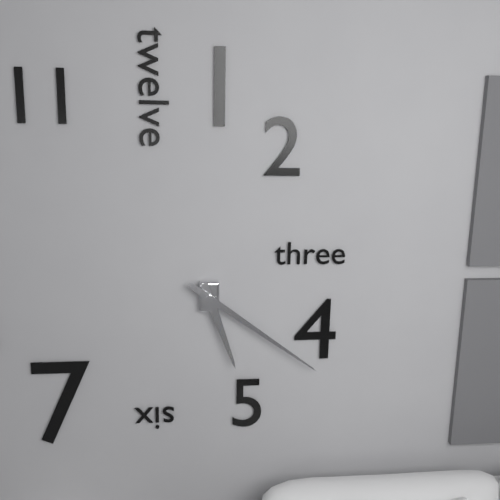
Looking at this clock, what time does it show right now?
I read 5:21
